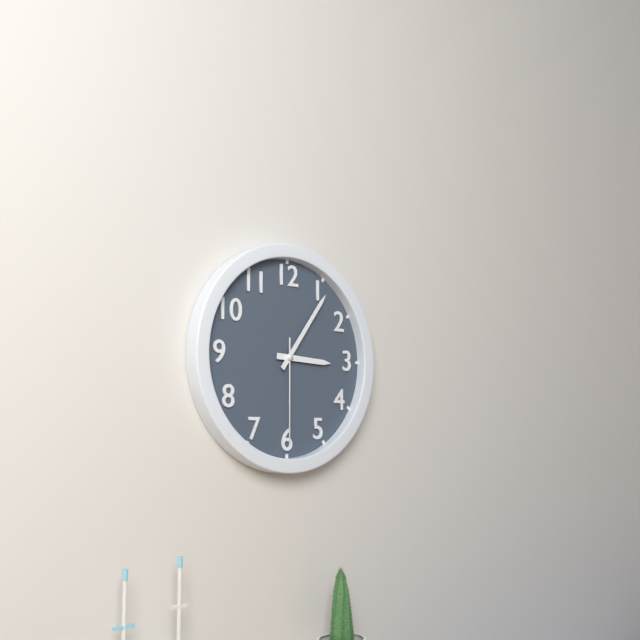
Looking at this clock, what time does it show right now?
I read 3:06:30
